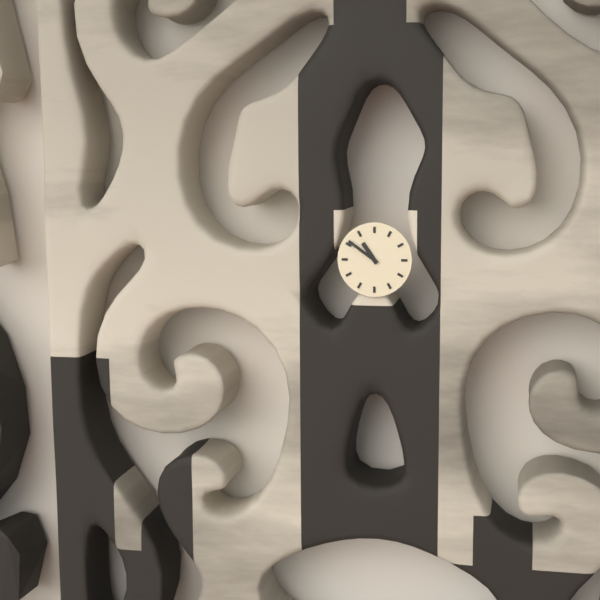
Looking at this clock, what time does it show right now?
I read 10:51
